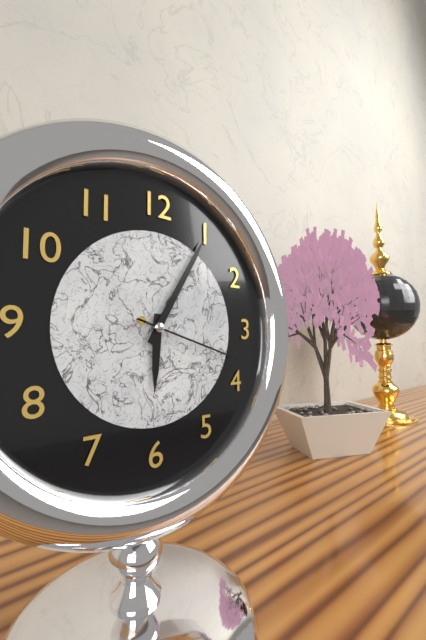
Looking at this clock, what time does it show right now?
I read 6:05:18
